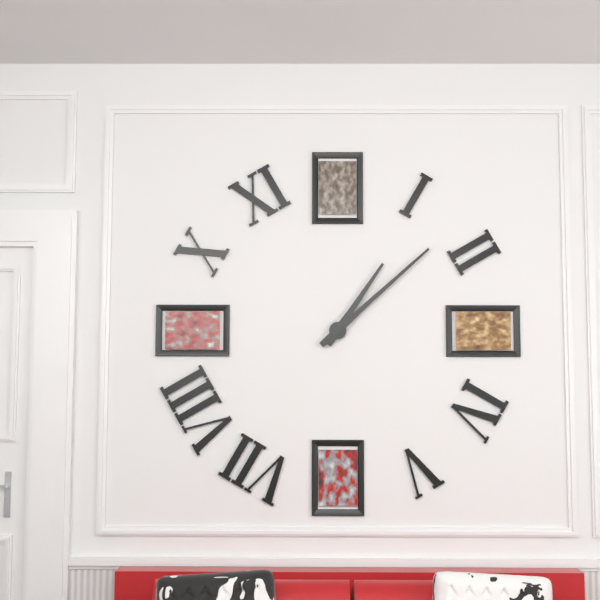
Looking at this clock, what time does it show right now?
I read 1:08
